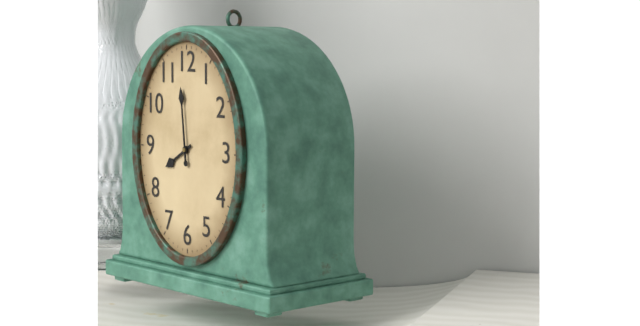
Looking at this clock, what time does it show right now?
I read 7:59
